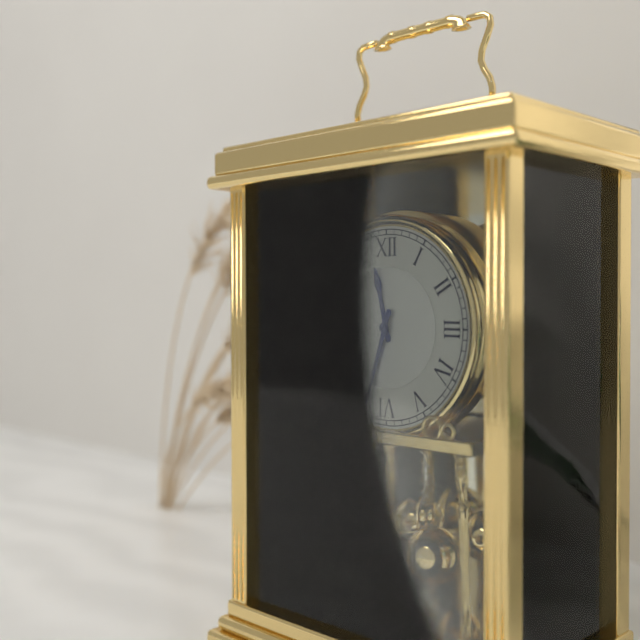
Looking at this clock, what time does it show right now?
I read 11:33
